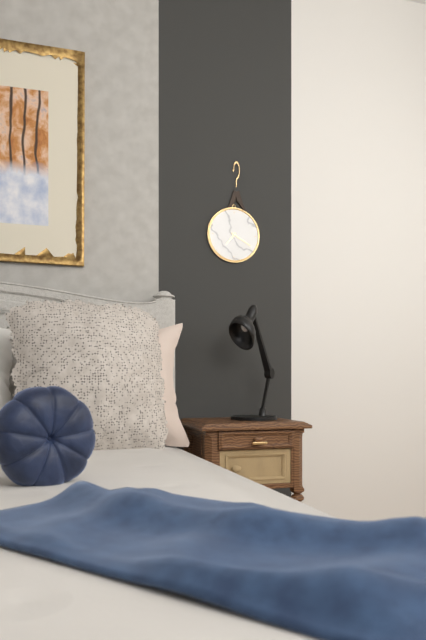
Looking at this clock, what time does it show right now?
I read 7:20
